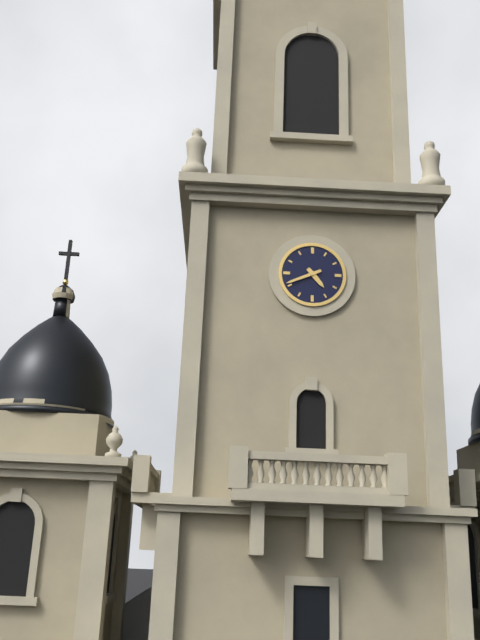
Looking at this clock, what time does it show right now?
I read 4:41
